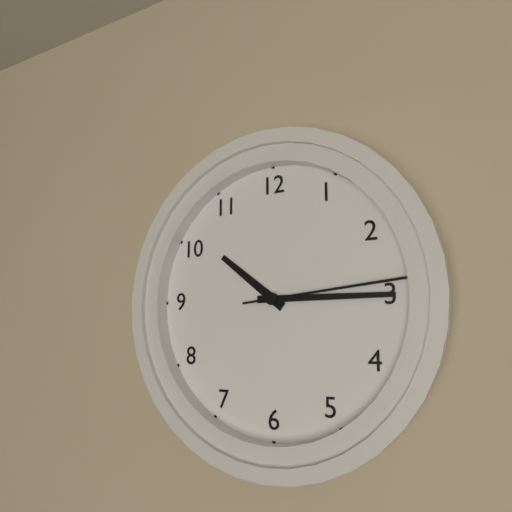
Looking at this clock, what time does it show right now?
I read 10:15:14
